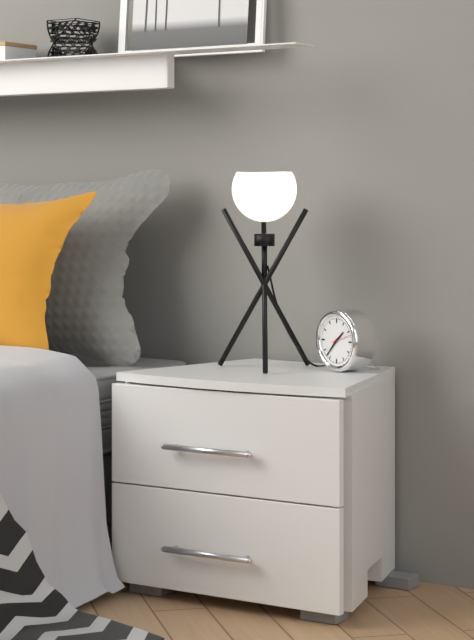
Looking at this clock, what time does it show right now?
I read 1:37
